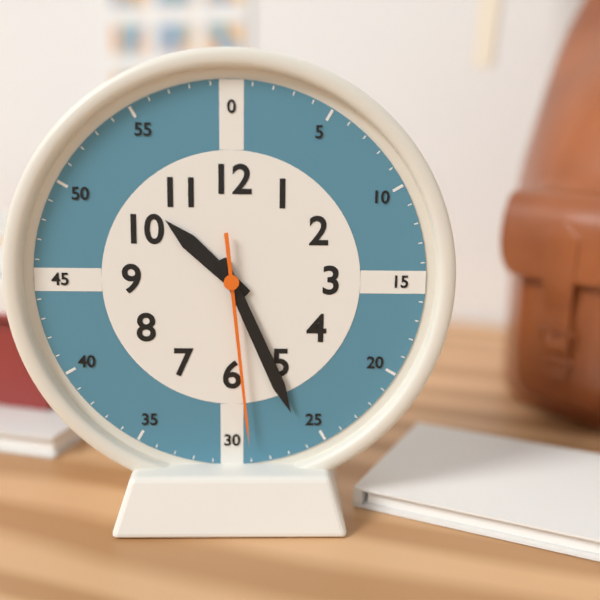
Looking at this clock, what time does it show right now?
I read 10:26:29
